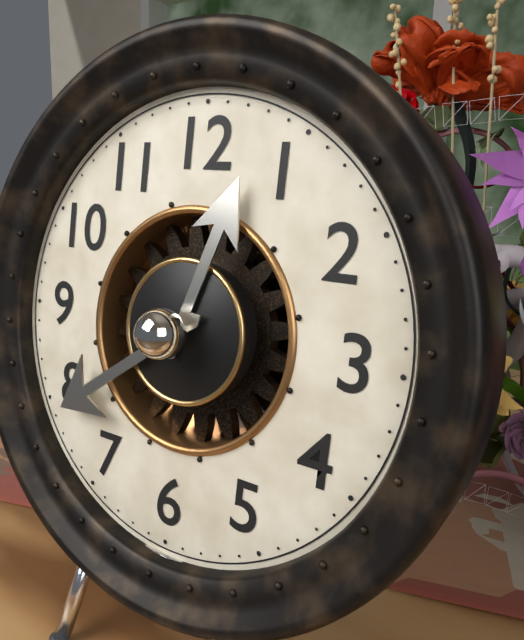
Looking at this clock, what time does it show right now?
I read 12:39
